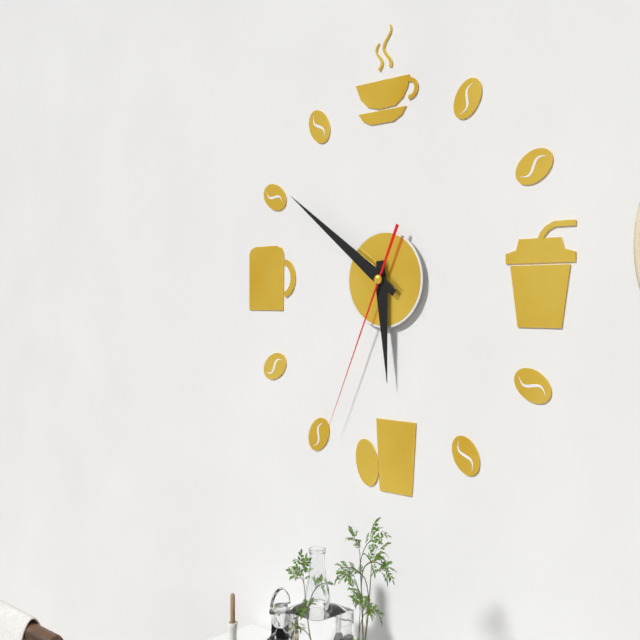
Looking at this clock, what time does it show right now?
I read 5:51:34
